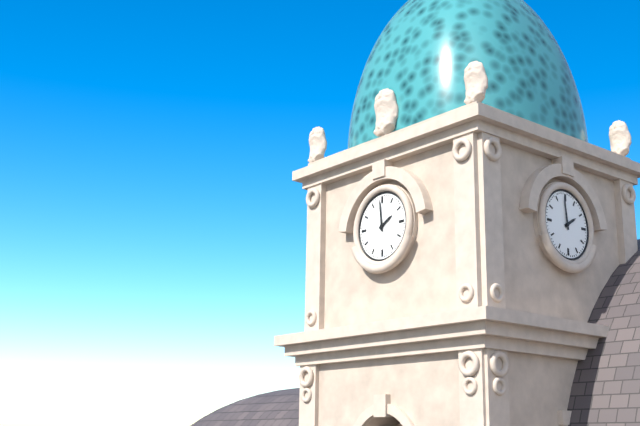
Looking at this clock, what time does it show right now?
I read 1:59
